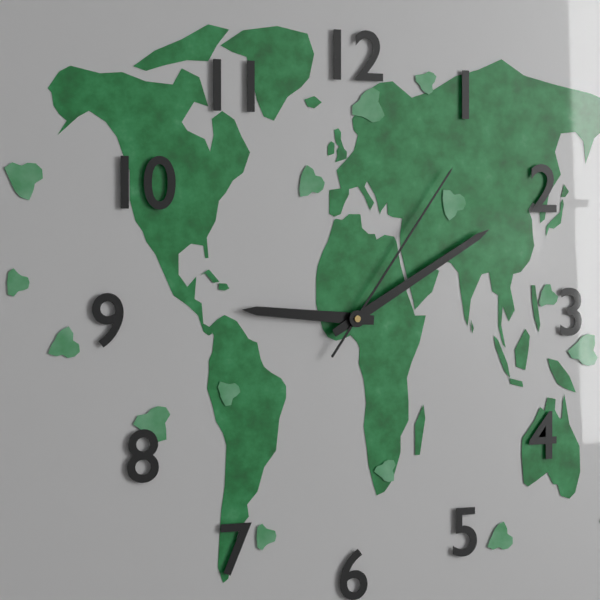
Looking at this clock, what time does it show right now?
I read 9:10:06
